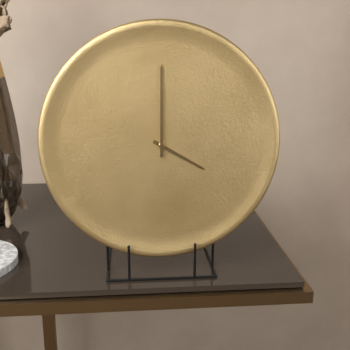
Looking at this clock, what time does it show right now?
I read 4:00
